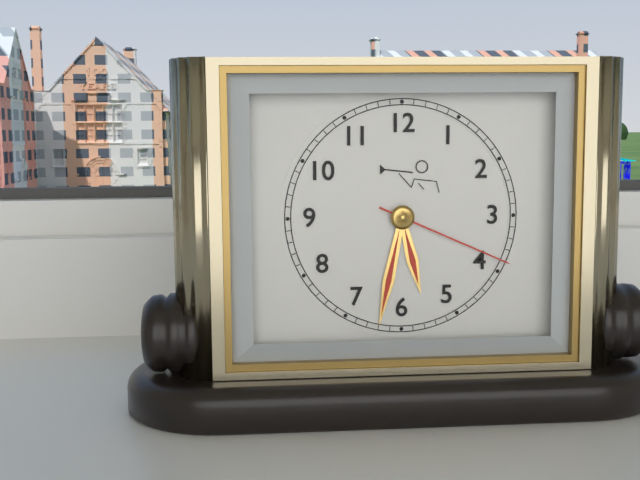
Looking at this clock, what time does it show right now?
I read 5:32:19
